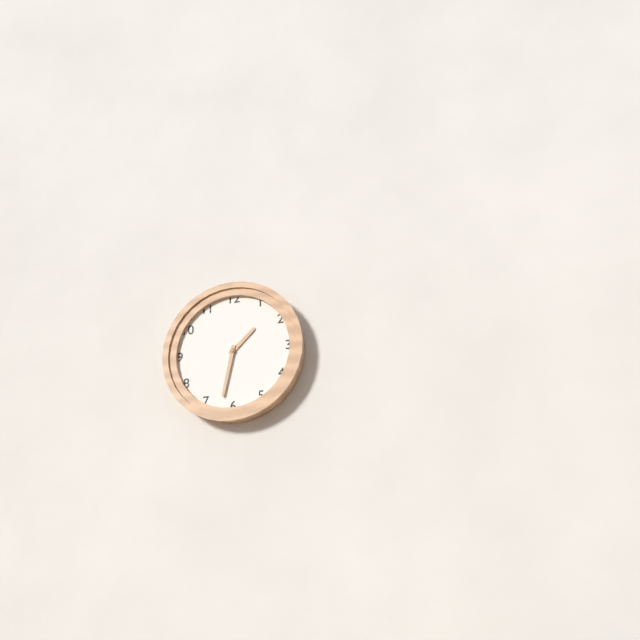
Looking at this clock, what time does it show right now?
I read 1:32
